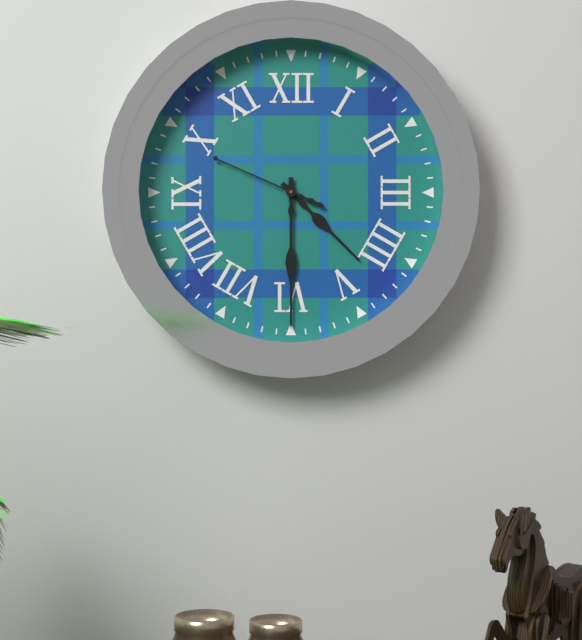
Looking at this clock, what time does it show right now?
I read 4:30:49
